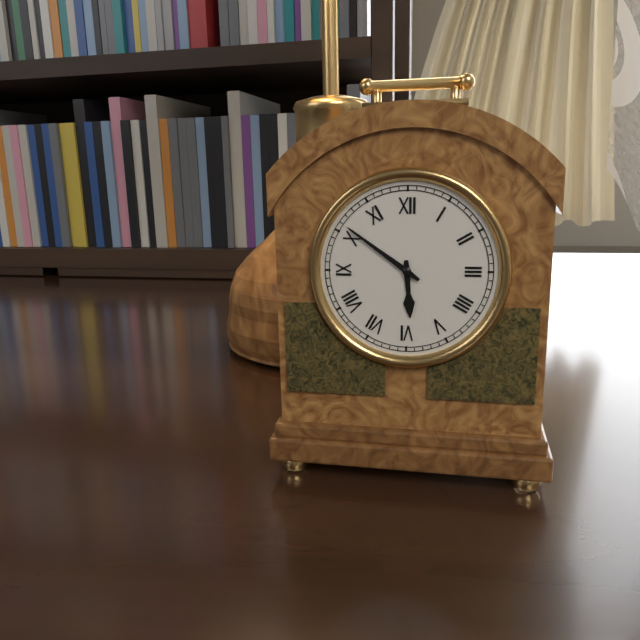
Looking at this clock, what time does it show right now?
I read 5:51
